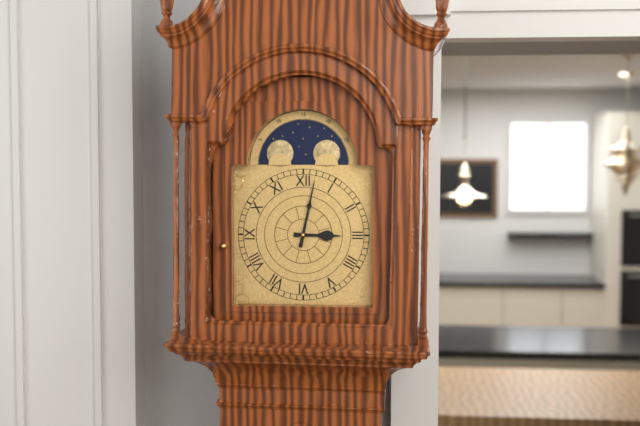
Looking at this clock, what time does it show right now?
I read 3:02
